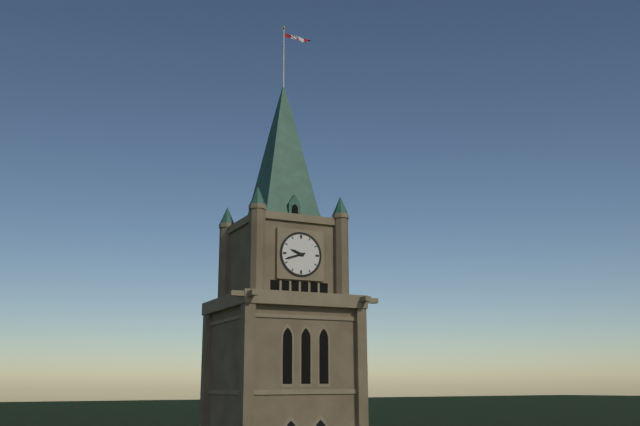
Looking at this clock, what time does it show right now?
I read 9:42
